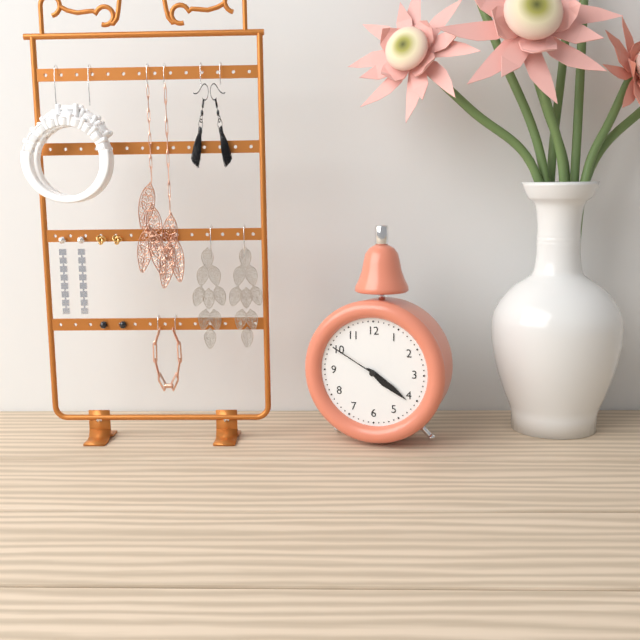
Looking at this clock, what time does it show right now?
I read 4:21:50
